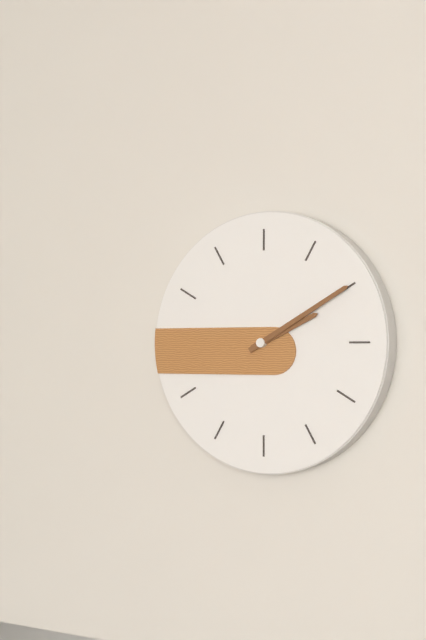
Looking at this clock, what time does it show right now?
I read 2:10
